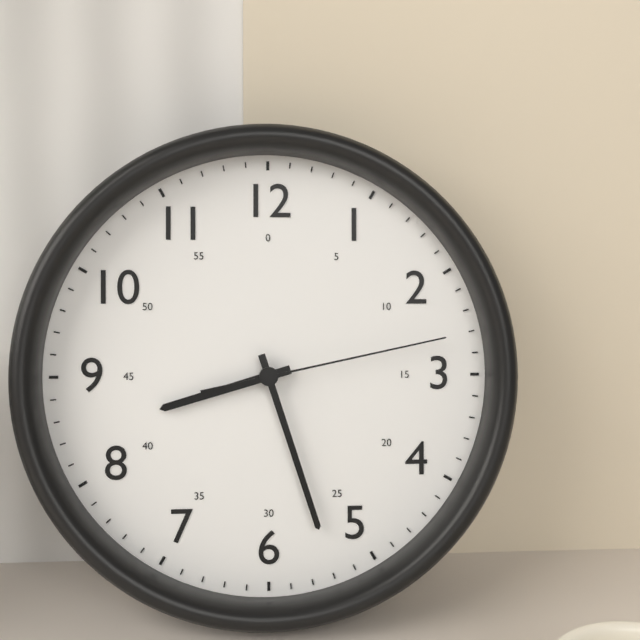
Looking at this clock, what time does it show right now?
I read 8:27:13
